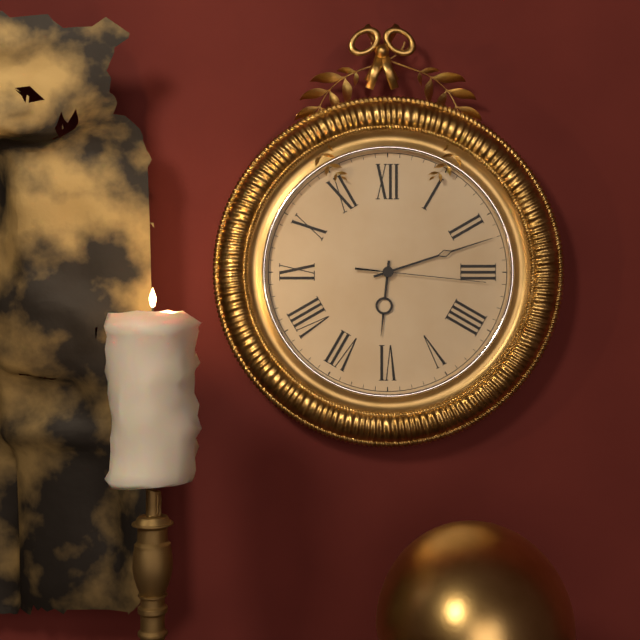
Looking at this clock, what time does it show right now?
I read 6:12:16
